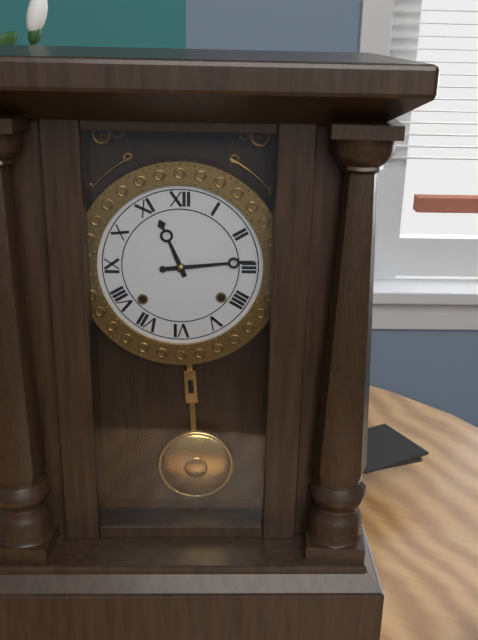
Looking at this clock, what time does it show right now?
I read 11:14
